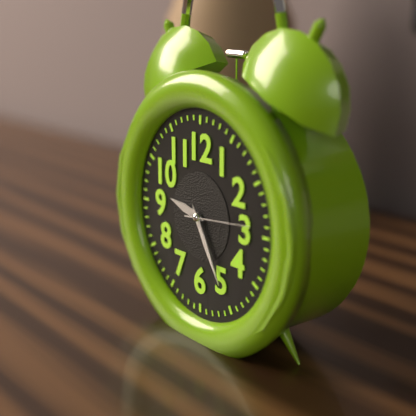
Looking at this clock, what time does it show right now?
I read 9:25:14
